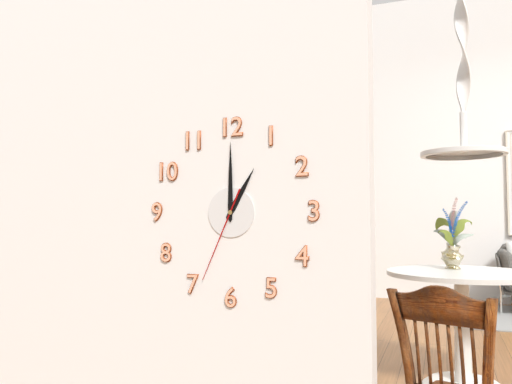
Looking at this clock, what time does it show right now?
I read 1:00:34
